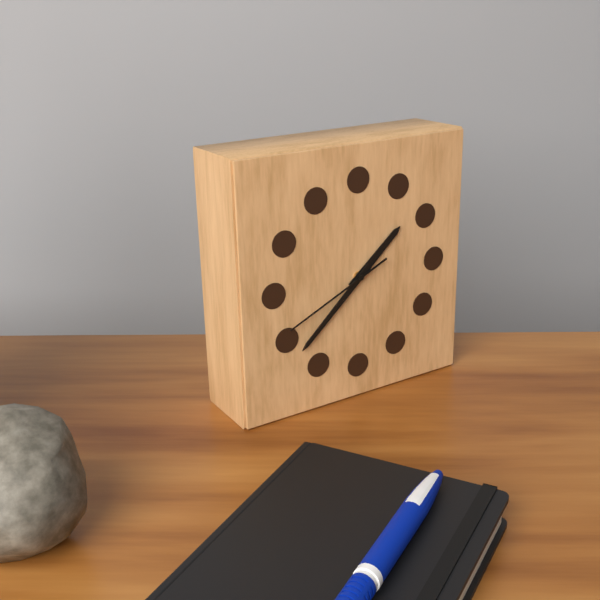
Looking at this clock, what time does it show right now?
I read 1:38:41
